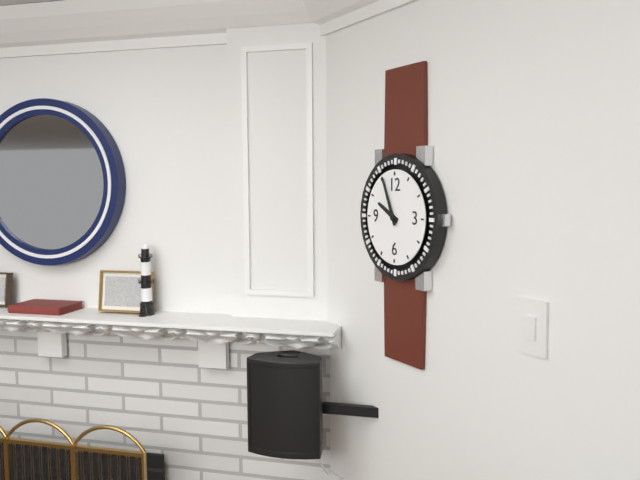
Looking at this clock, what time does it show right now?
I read 9:56
